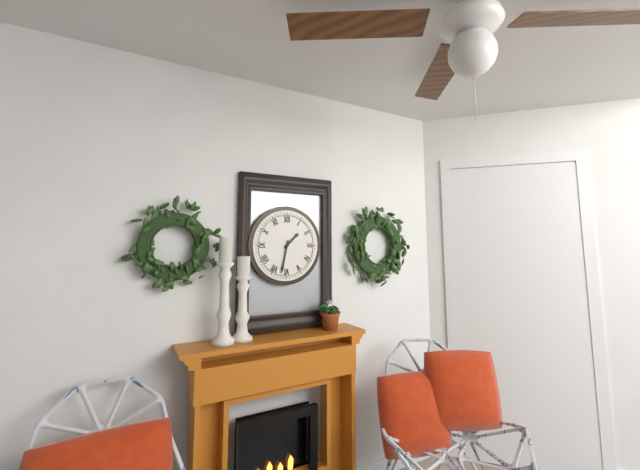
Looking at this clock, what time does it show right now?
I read 1:32
